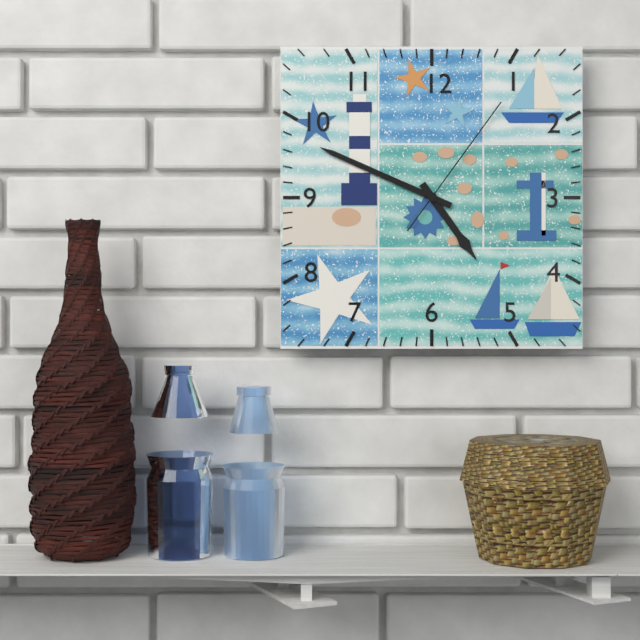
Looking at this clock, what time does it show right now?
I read 4:49:06
